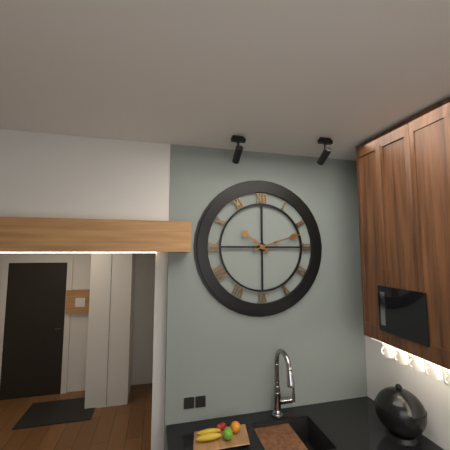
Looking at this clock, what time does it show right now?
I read 10:12
